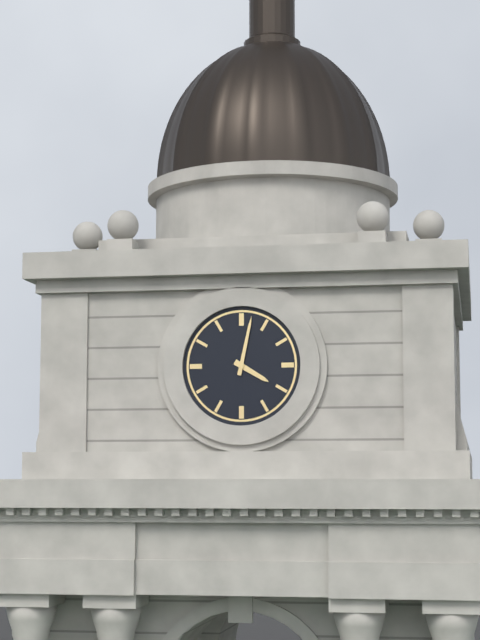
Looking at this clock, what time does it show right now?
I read 4:02
